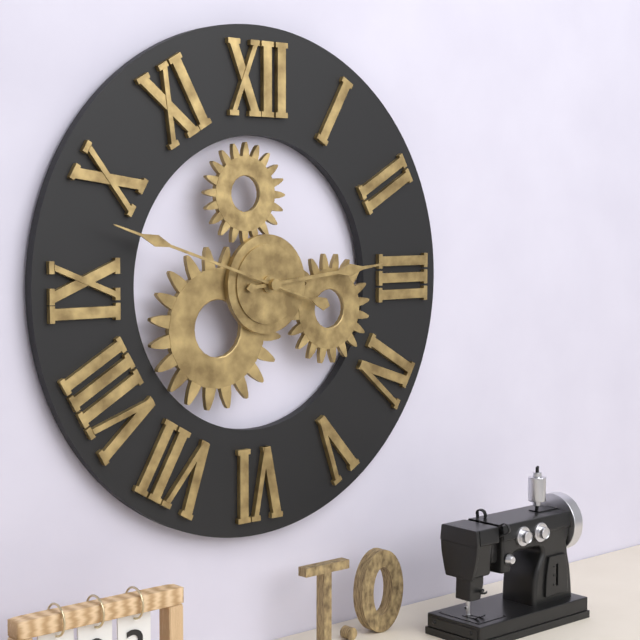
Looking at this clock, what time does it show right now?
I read 2:48
